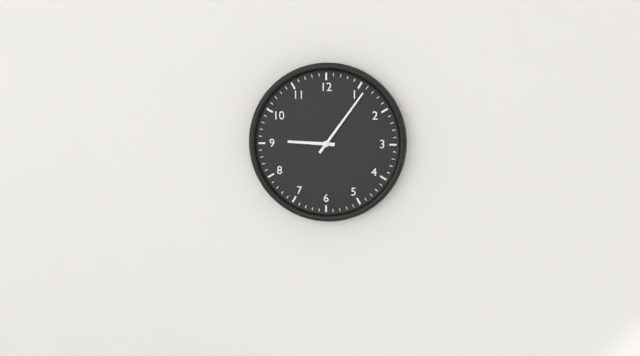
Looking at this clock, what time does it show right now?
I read 9:06
